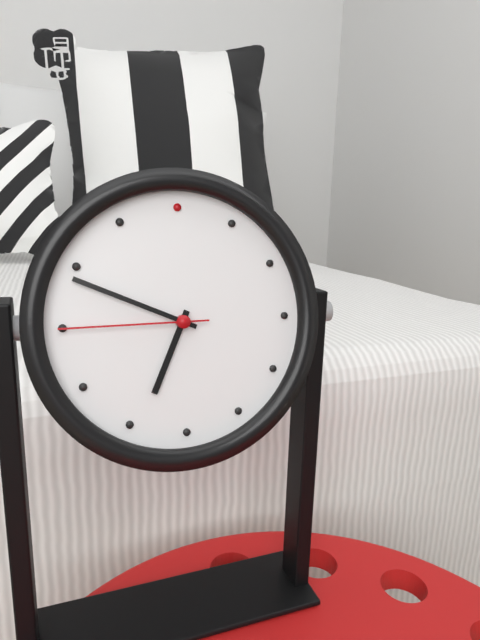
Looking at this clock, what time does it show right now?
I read 6:49:45
